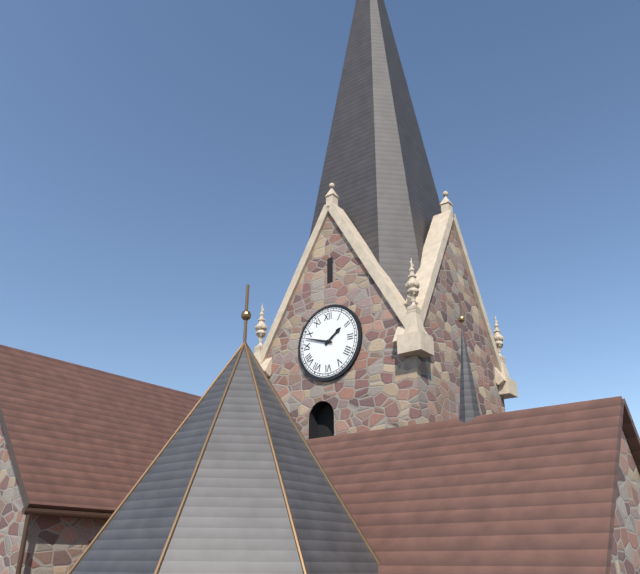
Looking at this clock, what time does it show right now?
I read 1:48
